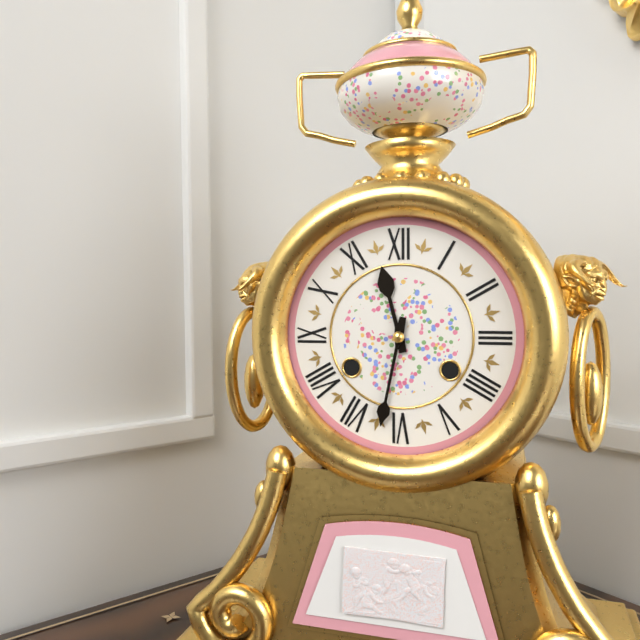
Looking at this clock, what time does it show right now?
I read 11:32
